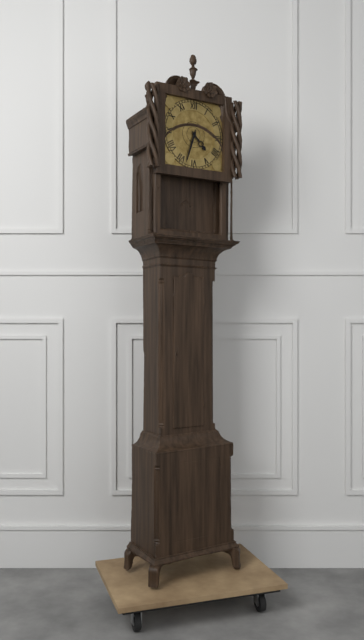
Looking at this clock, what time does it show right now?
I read 4:33
